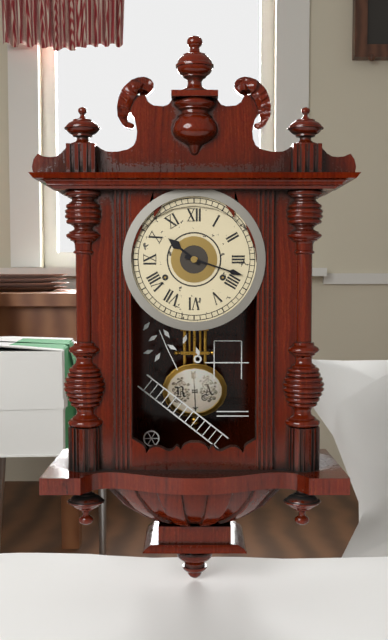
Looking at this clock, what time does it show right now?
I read 10:18
